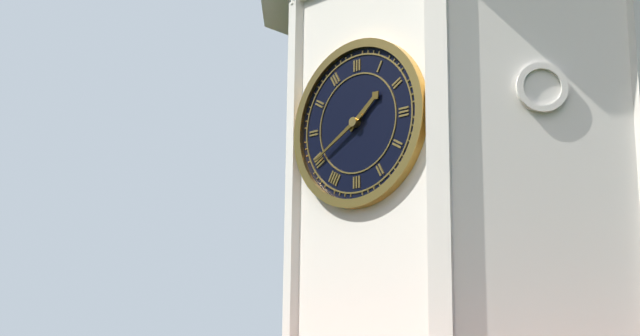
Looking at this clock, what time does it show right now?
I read 1:40
